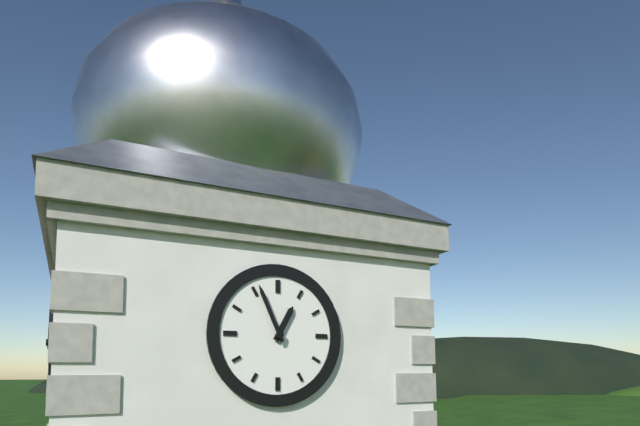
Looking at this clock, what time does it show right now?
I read 12:56
